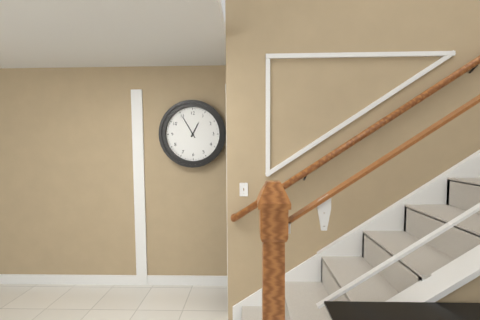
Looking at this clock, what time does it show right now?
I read 12:55
